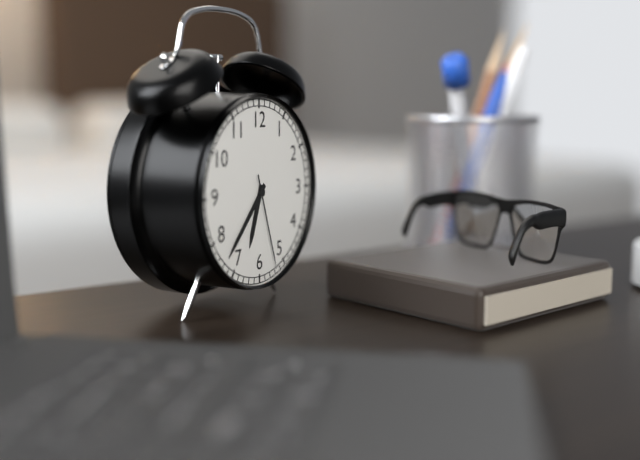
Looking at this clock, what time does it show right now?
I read 6:37:27
